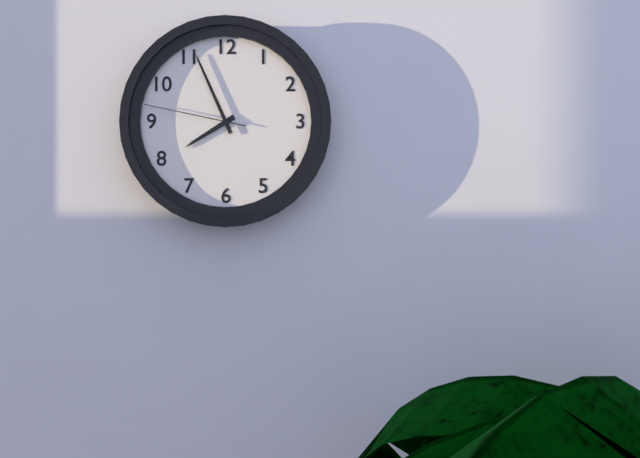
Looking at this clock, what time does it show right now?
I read 7:56:47
